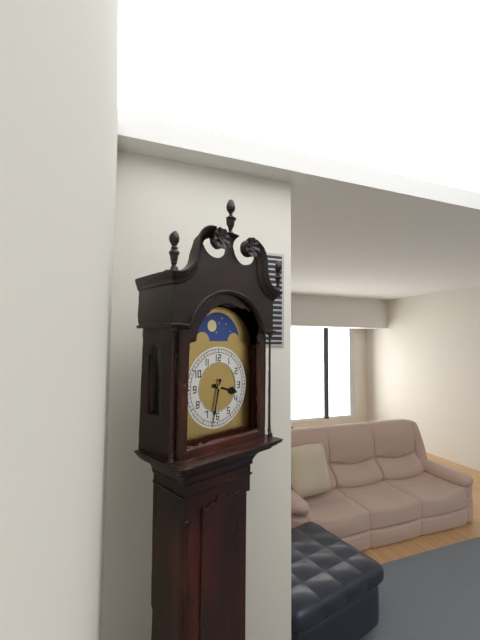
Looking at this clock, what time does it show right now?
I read 3:32
